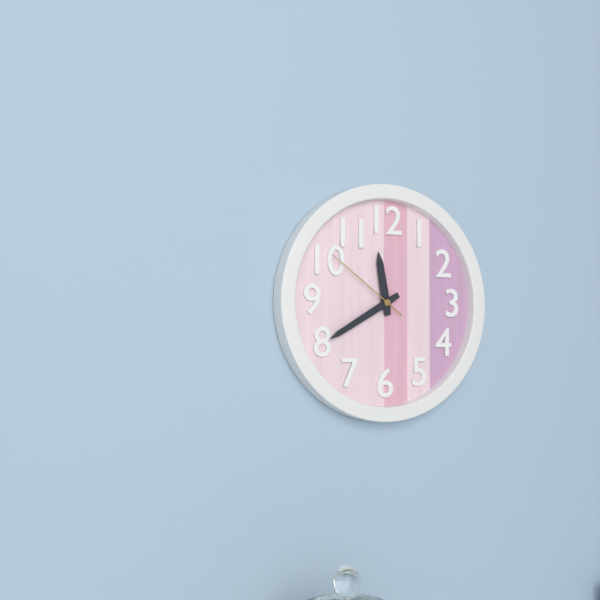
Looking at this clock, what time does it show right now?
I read 11:40:51
